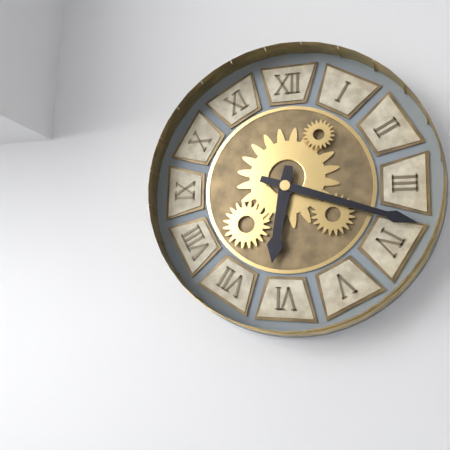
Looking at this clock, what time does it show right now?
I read 6:18
